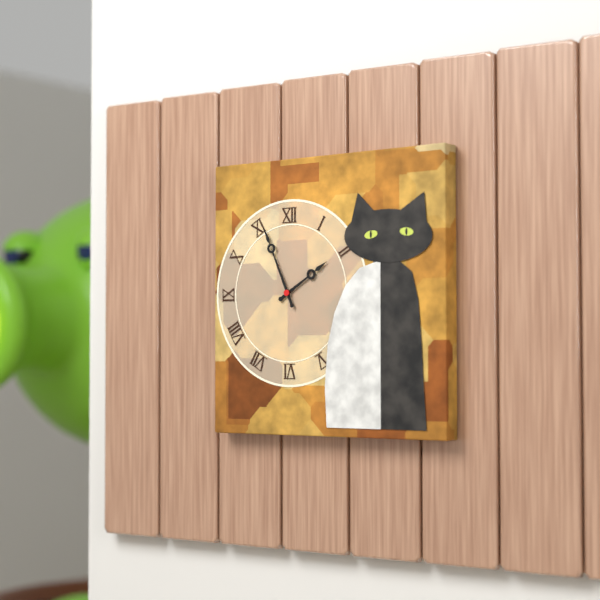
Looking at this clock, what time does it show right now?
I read 1:56
